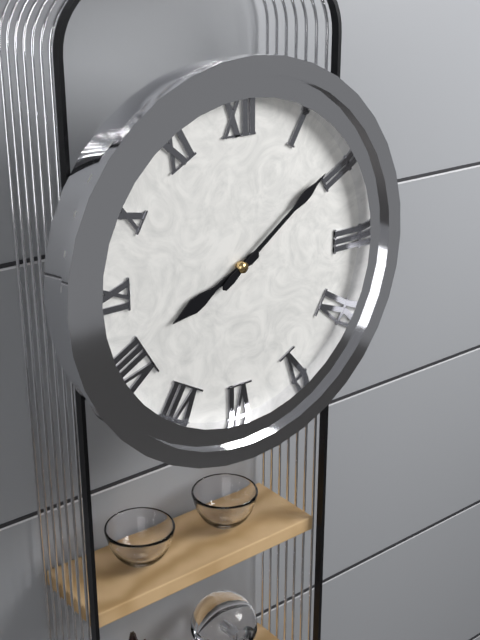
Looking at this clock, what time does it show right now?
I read 8:09
